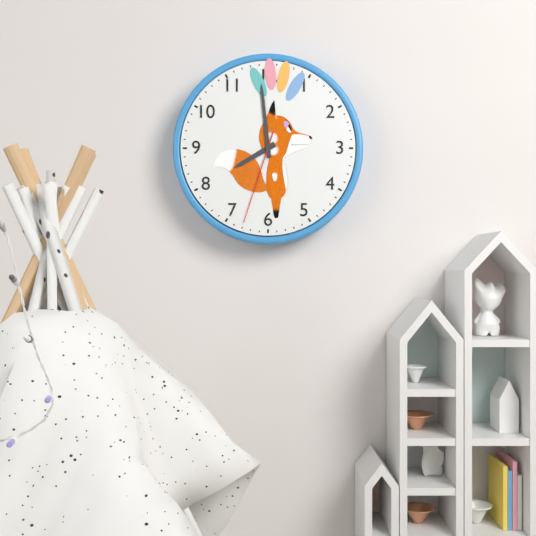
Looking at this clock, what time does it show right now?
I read 7:59:33
